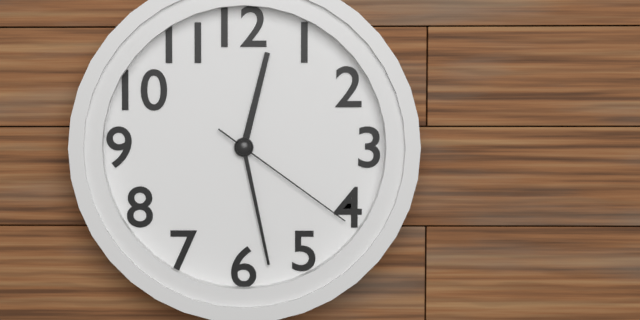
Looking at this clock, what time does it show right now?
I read 12:28:21
